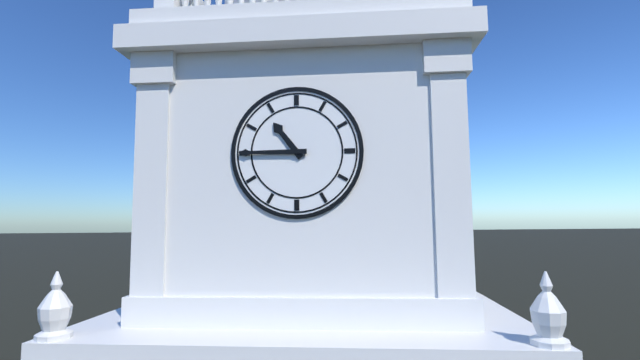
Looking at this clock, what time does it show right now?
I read 10:45
